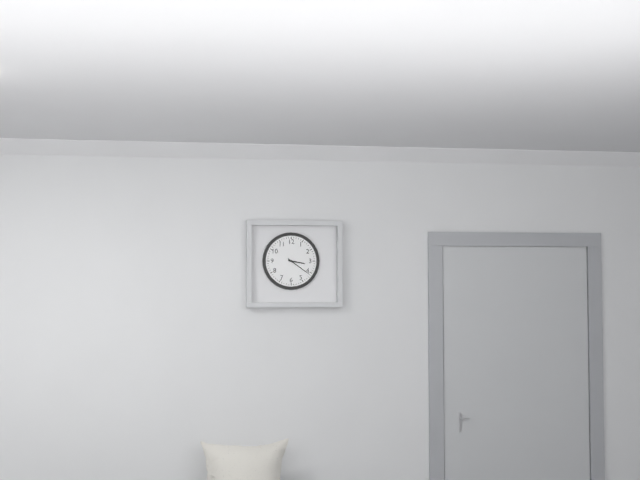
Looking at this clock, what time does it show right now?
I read 3:21
